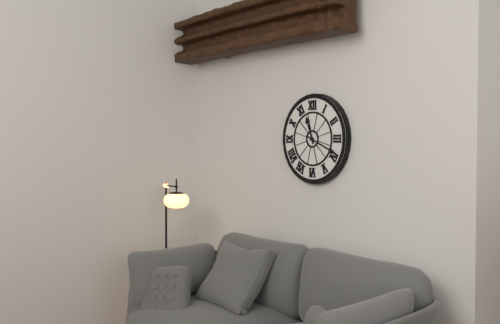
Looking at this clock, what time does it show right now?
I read 11:19
